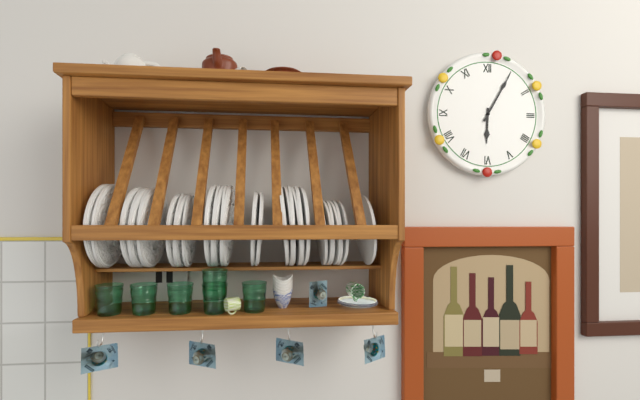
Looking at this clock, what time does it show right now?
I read 6:05
